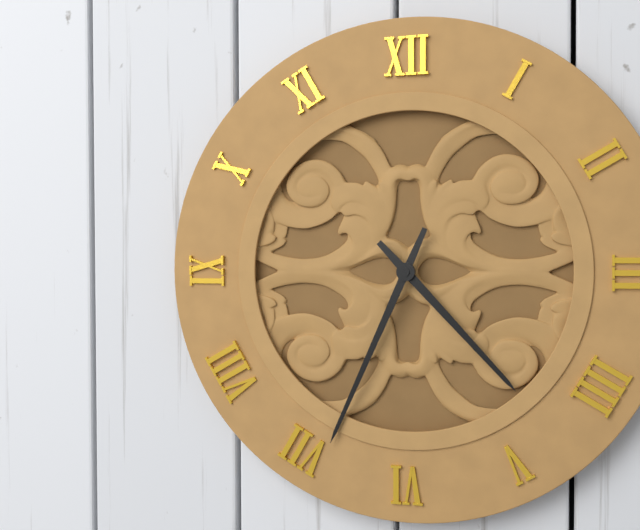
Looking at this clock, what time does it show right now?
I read 4:34
